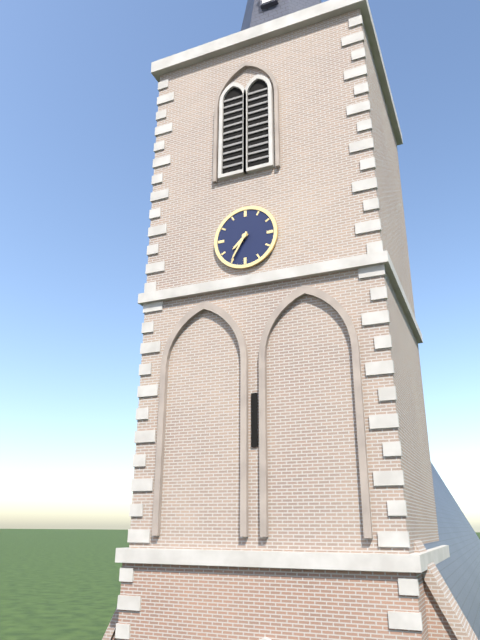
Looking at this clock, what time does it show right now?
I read 7:35
